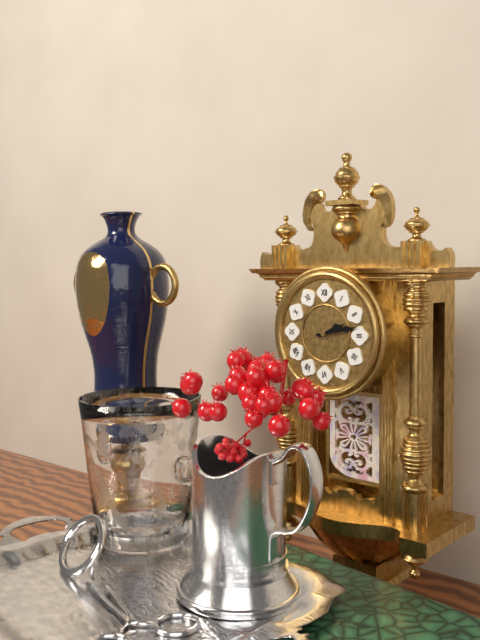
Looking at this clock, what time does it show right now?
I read 2:13
